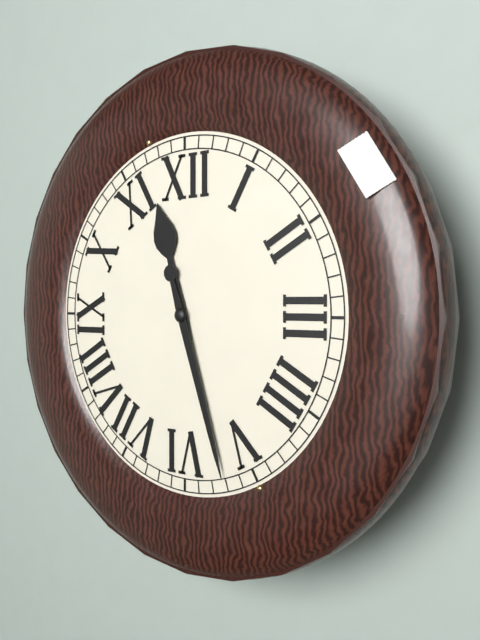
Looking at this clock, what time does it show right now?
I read 11:27
